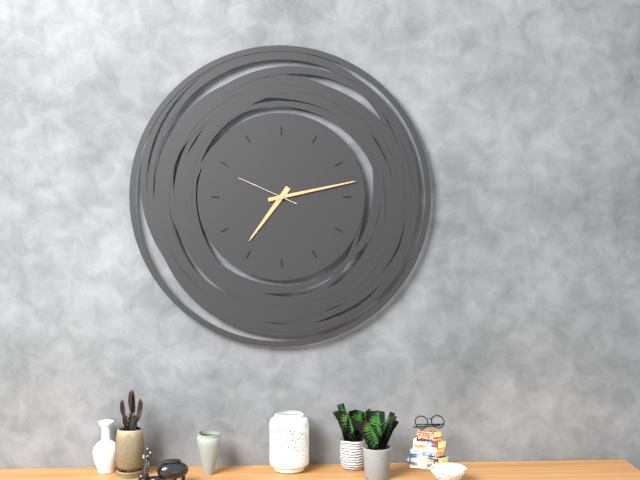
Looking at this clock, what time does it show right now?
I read 7:13:49
